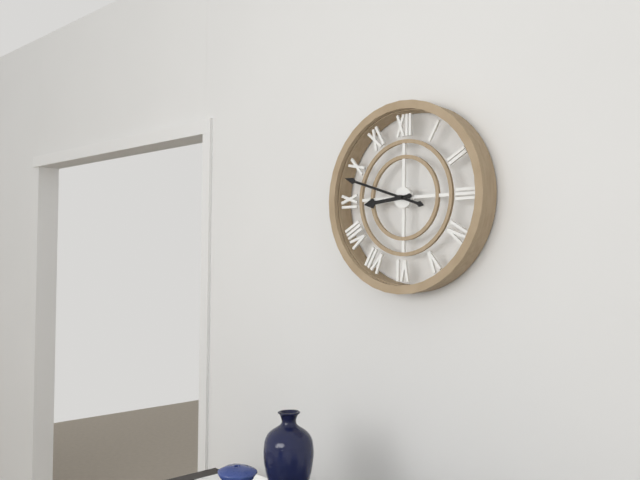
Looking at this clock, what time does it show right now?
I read 8:48
